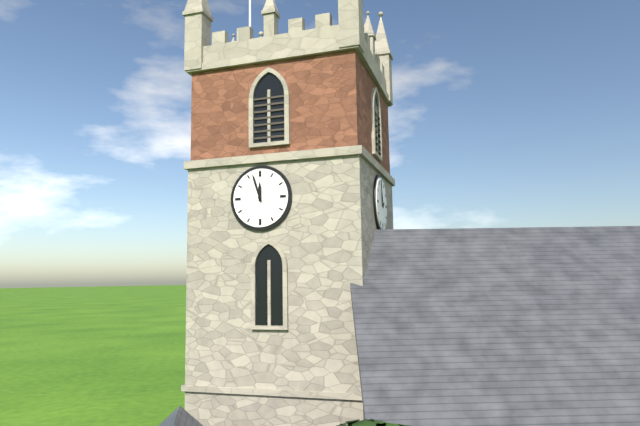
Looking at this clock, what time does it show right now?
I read 11:57
